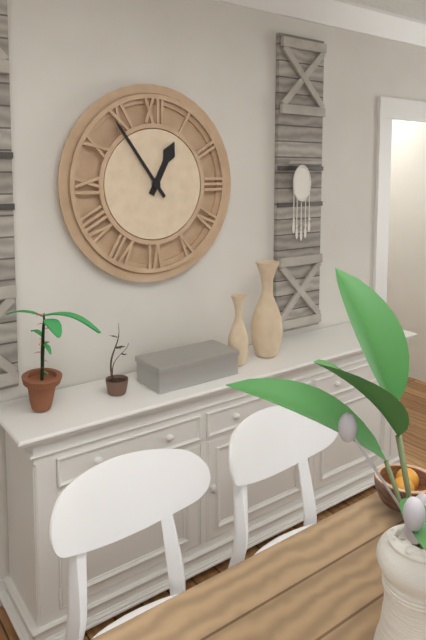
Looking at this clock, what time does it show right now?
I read 12:54
